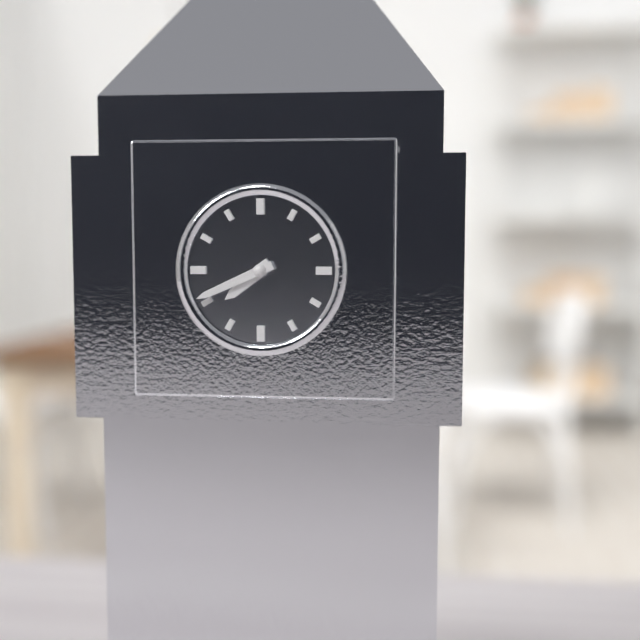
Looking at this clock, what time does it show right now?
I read 7:41
